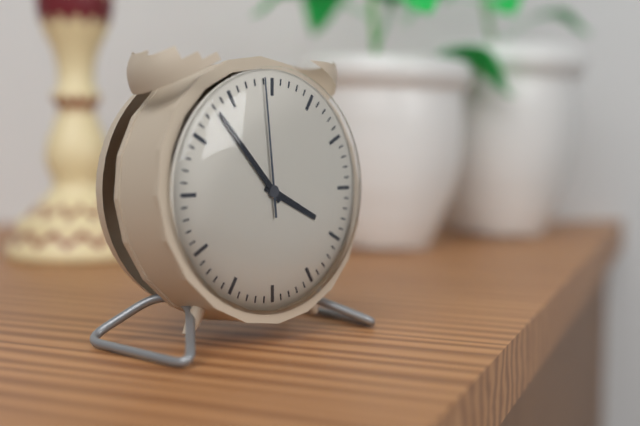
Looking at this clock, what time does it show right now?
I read 3:53:59
